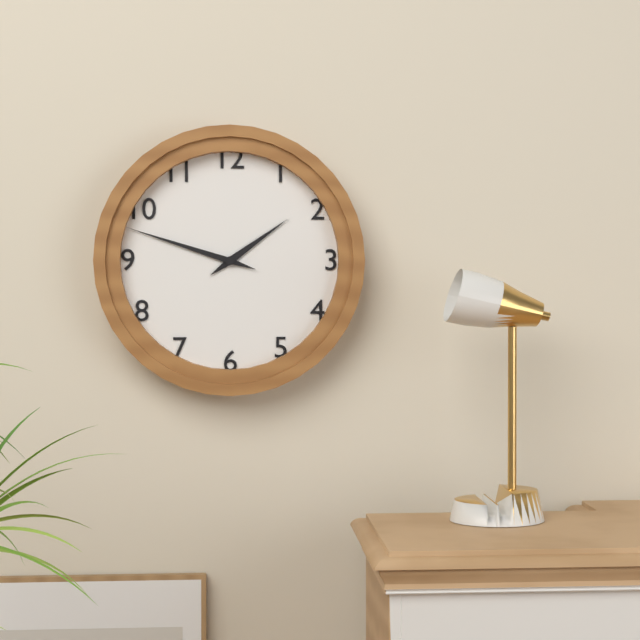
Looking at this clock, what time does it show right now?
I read 1:48
